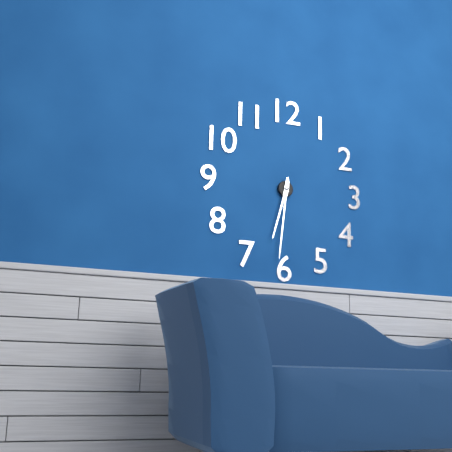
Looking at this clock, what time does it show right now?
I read 6:31
